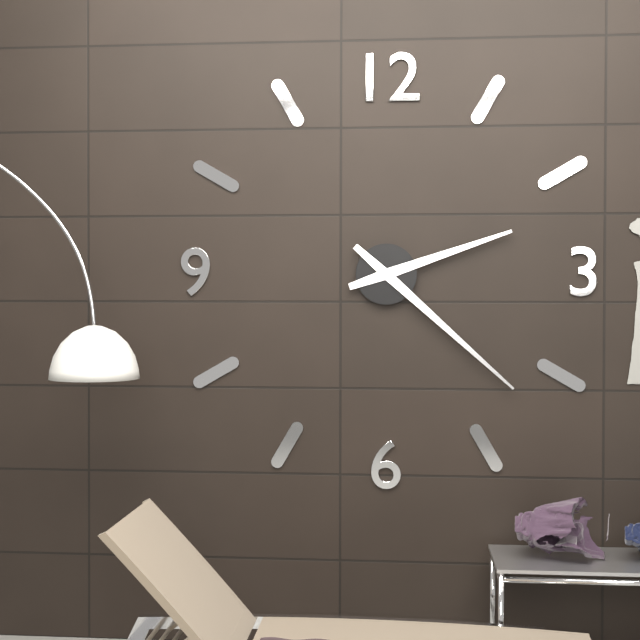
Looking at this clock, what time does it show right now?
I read 2:22
